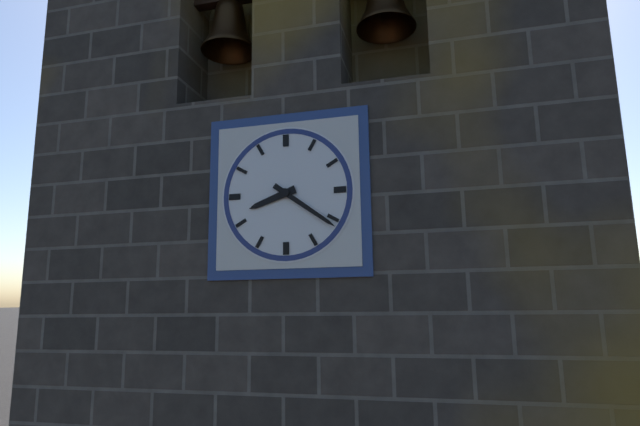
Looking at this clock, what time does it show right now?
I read 8:21
